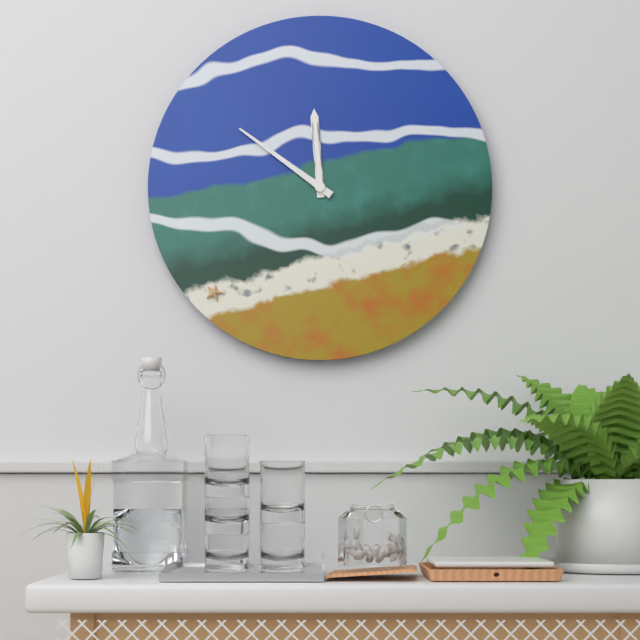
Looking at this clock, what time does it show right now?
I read 11:51
